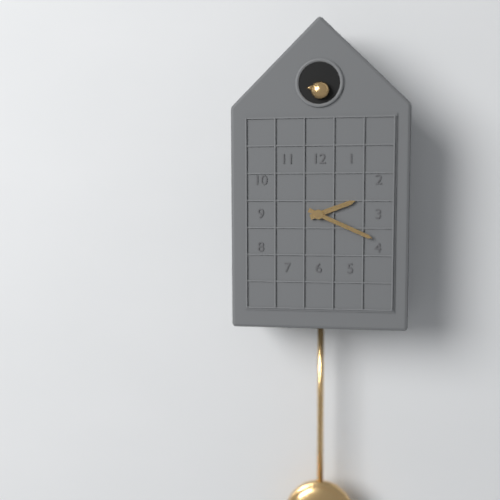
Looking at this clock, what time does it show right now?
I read 2:19
